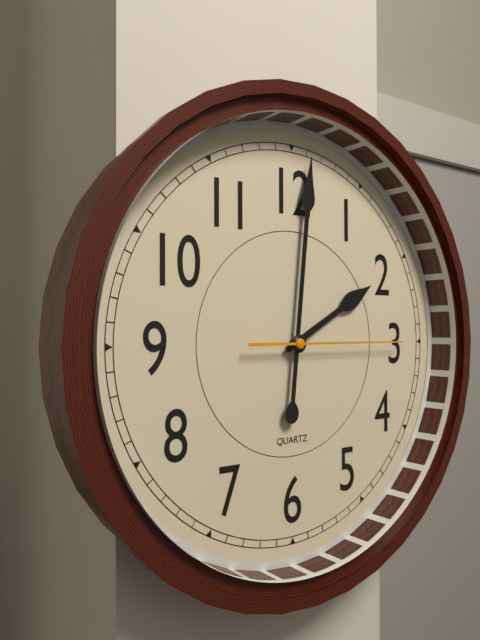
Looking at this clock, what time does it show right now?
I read 2:01:15
